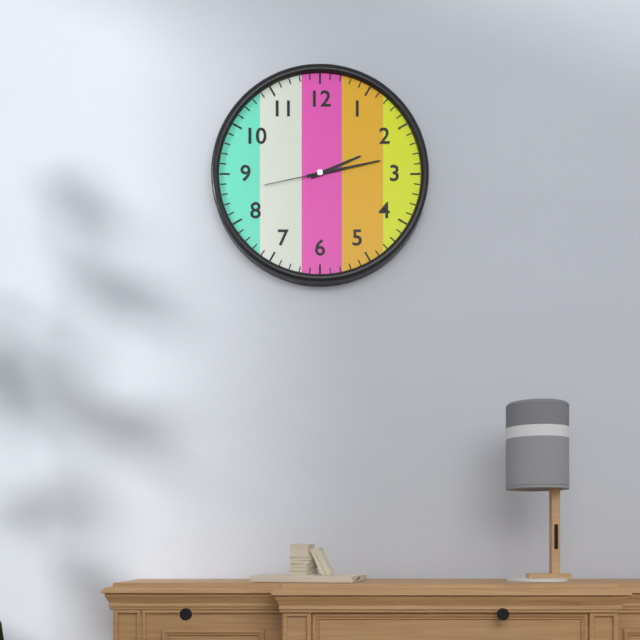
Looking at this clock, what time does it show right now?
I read 2:13:43
